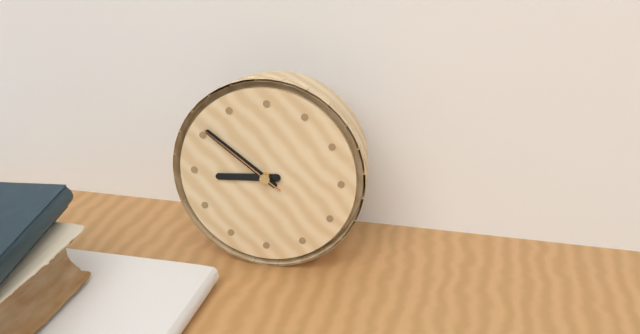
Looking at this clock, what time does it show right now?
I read 8:51:51
